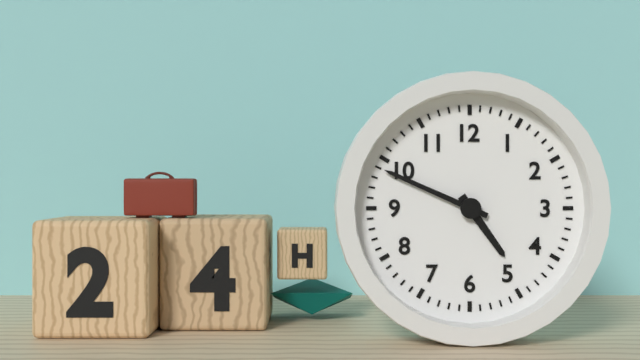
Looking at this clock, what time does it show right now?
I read 4:49
